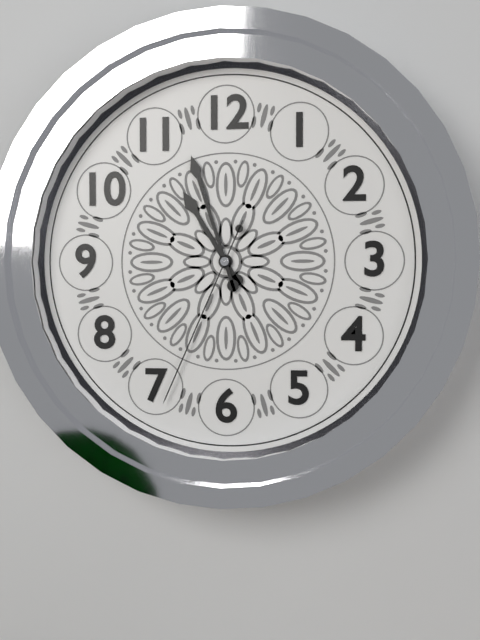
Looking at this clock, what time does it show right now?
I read 10:57:34
